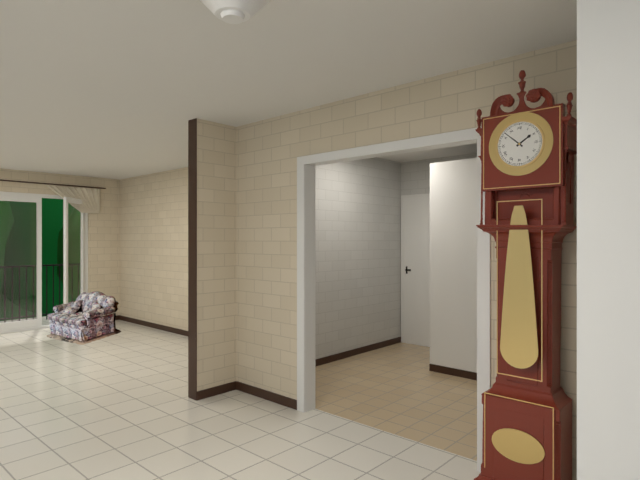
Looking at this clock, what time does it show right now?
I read 1:52
